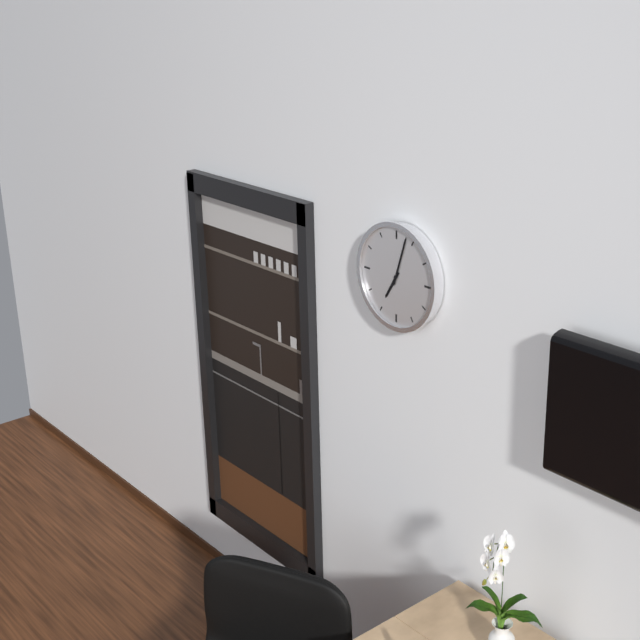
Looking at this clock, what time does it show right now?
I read 7:03
